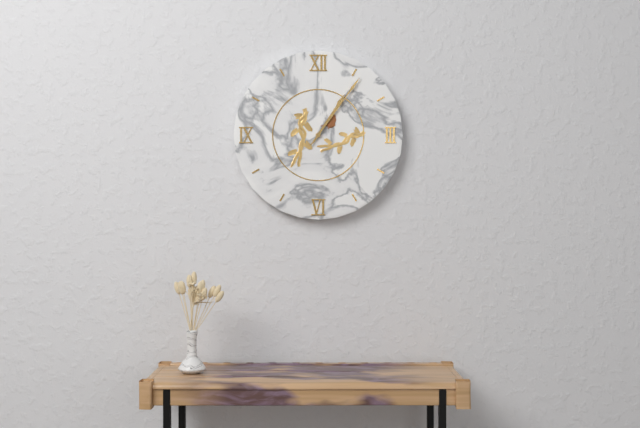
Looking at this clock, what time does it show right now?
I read 1:06
